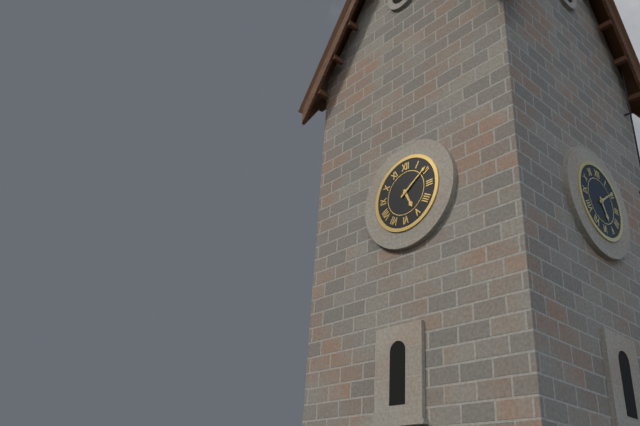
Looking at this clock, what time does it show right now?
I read 5:09
